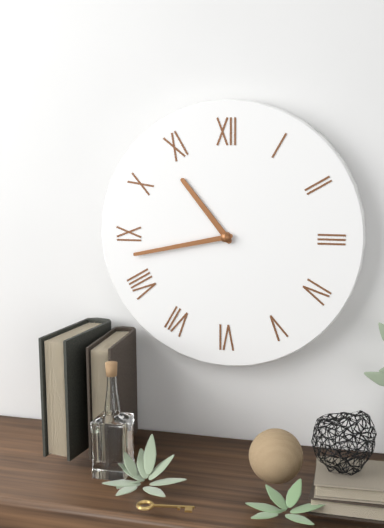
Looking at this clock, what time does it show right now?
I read 10:43
